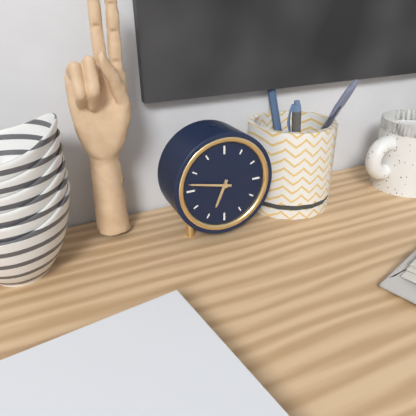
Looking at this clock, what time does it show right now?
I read 6:47
